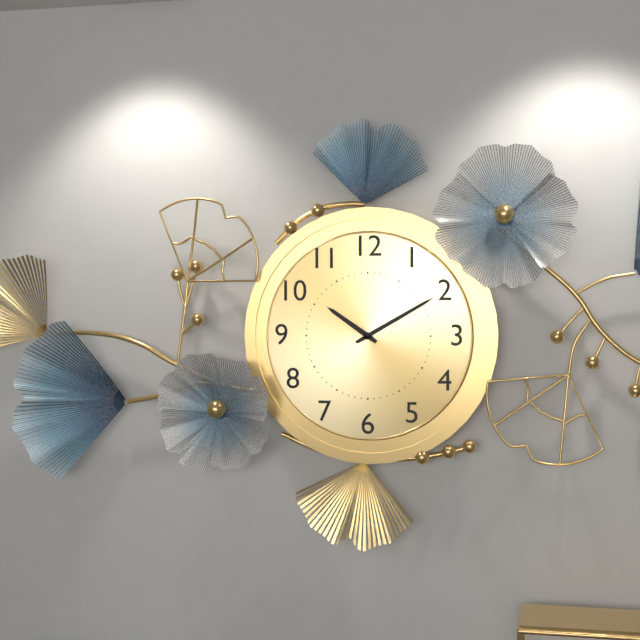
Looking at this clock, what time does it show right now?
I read 10:10
